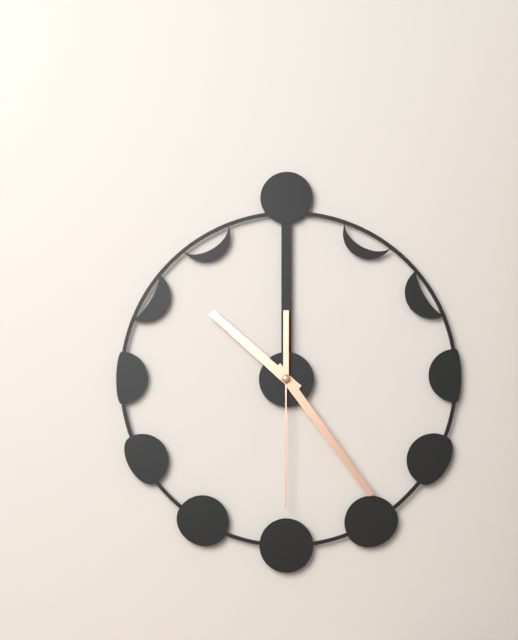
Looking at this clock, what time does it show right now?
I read 10:24:30
